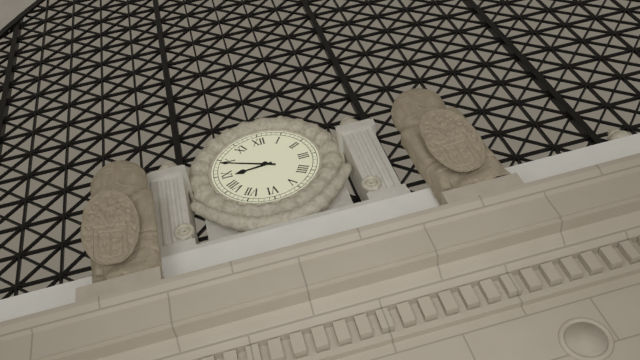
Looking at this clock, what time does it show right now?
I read 8:49
